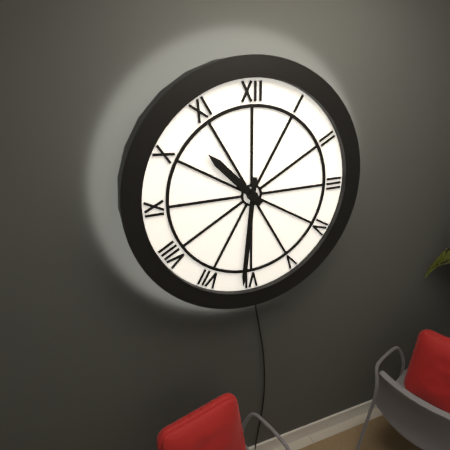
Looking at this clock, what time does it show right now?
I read 10:31
